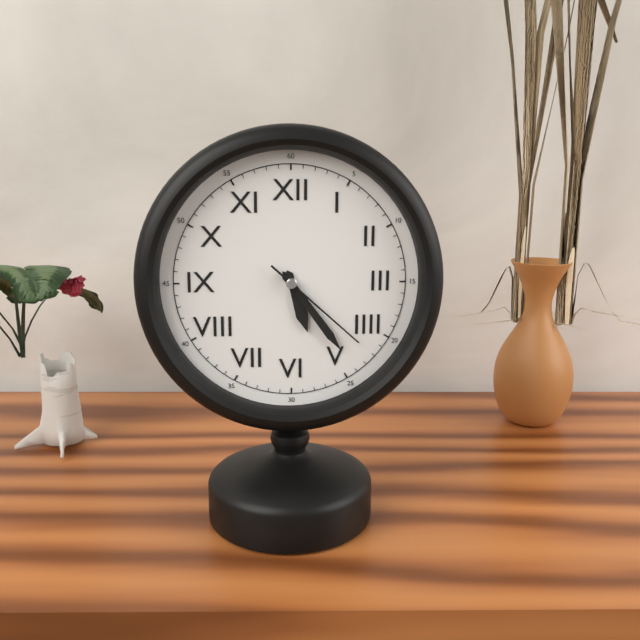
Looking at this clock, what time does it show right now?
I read 5:24:22
